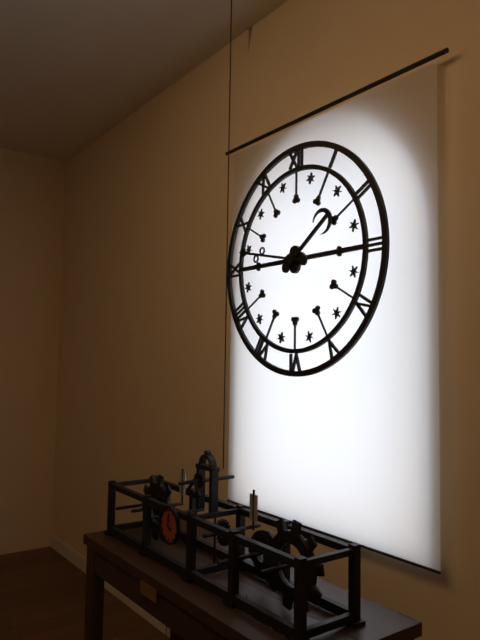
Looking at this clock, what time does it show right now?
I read 1:47
